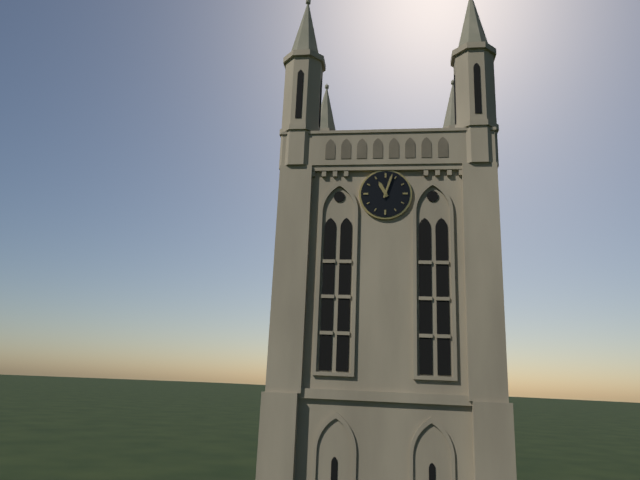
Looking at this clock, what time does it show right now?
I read 11:03
